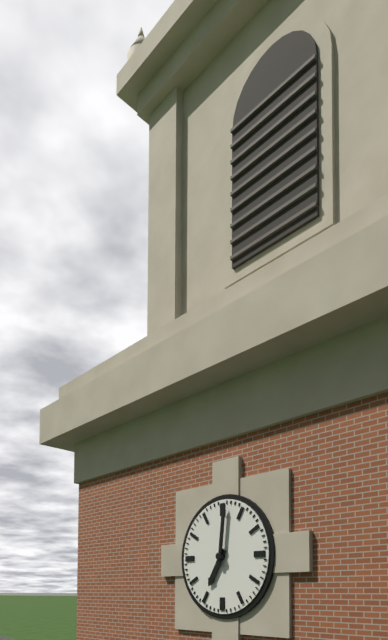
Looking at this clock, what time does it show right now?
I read 7:01
